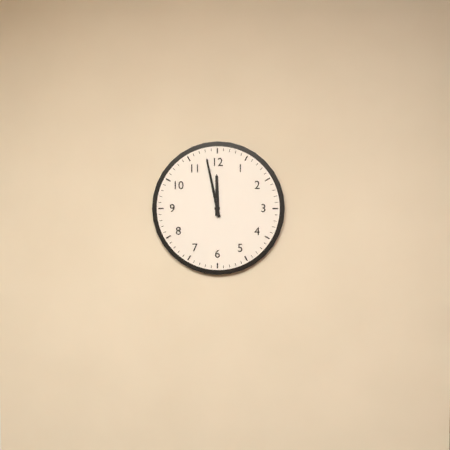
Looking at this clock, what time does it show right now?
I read 11:58
